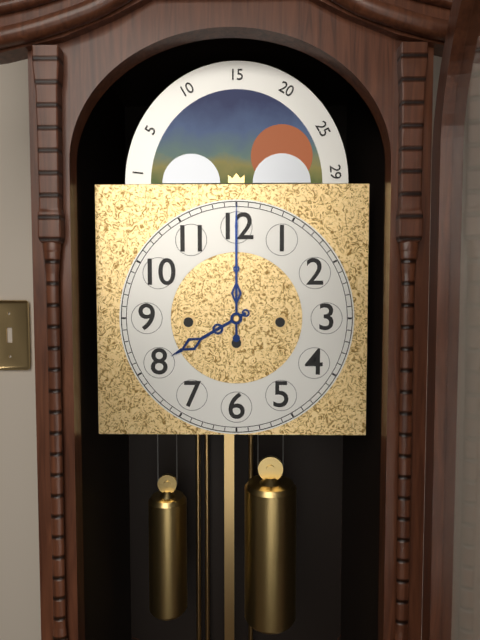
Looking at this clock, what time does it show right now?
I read 8:00
